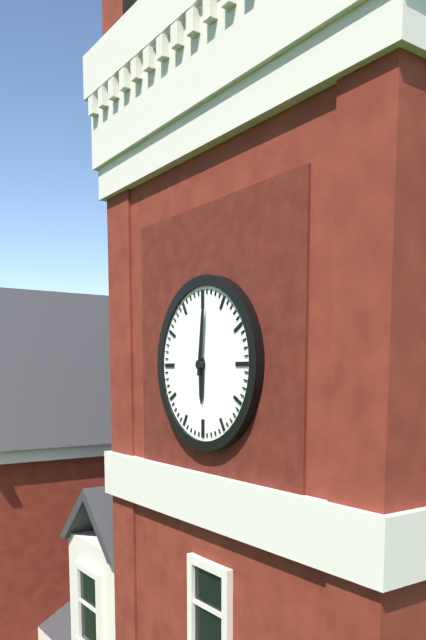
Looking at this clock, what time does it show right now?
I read 6:01
